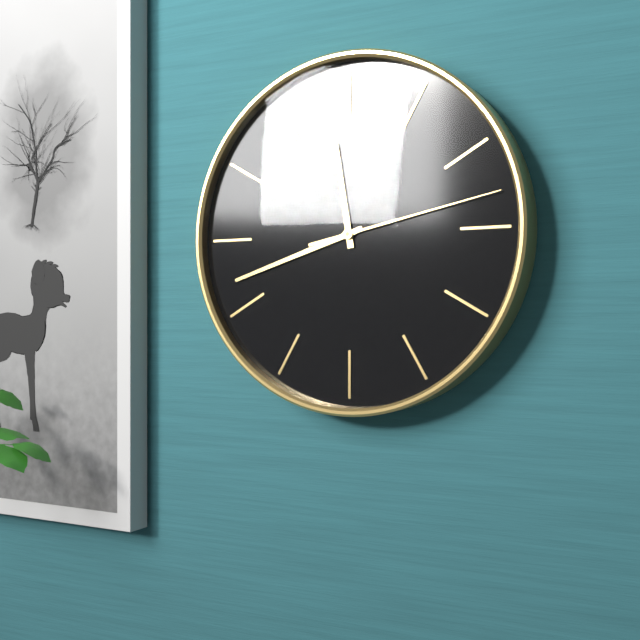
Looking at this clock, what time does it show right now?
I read 11:42:13
